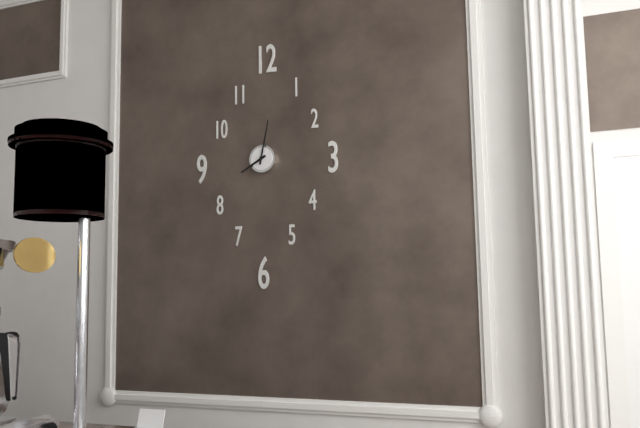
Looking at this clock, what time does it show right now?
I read 8:02
